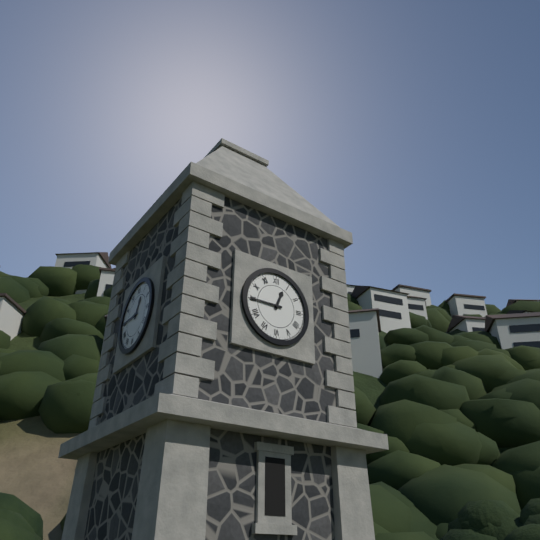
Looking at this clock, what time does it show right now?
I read 12:45
